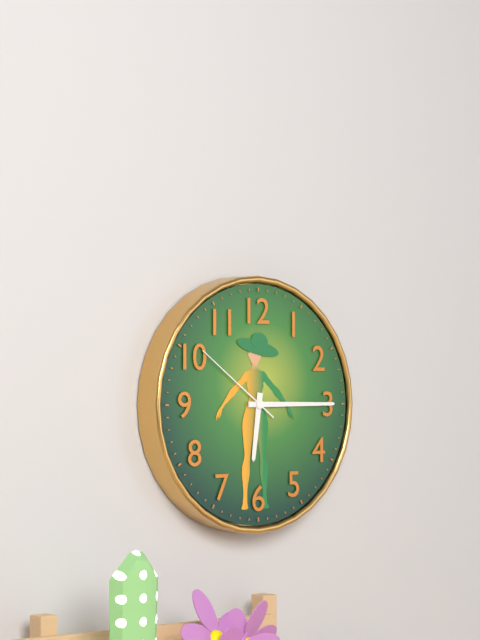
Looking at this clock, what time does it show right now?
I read 6:15:51
